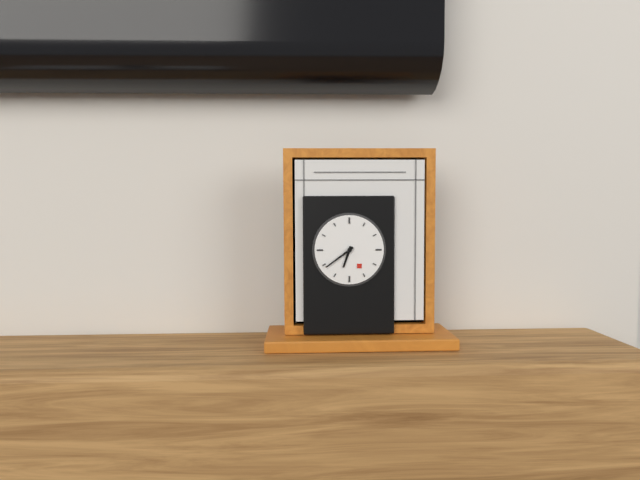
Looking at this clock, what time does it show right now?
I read 6:39
